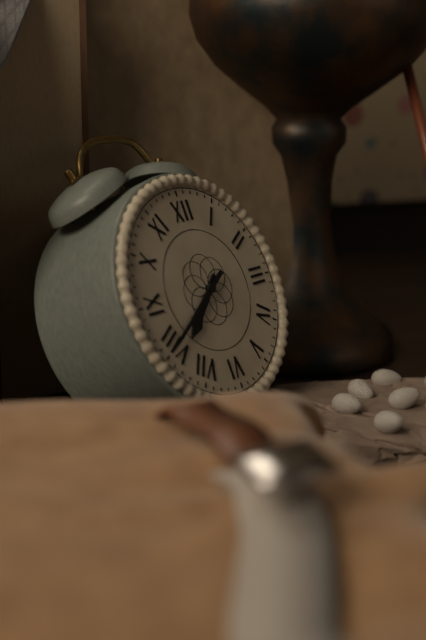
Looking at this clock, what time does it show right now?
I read 7:40
